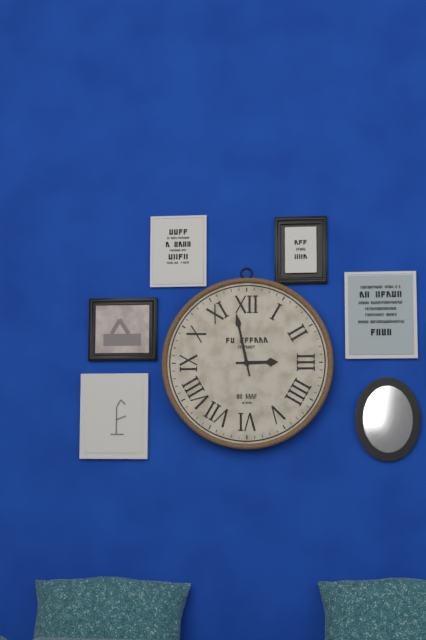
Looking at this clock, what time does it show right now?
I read 2:58
